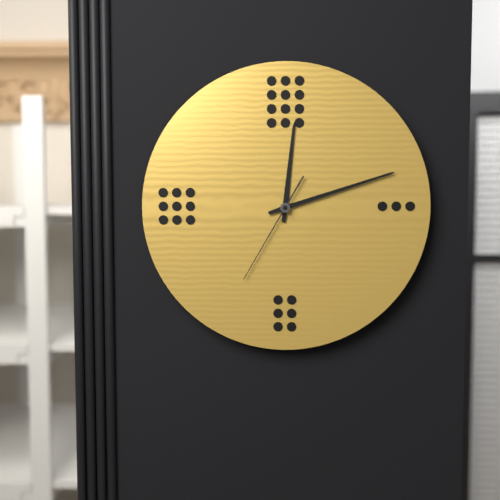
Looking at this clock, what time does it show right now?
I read 12:12:35
